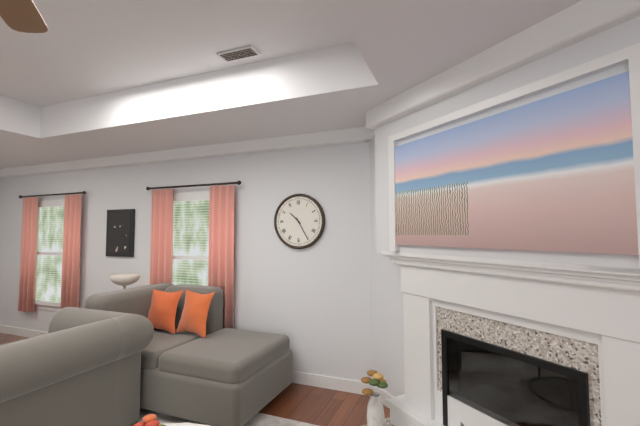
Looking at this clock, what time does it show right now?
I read 10:25
